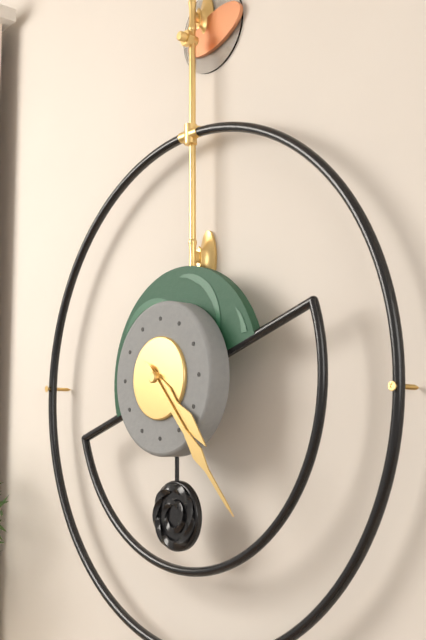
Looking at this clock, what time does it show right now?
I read 4:23
